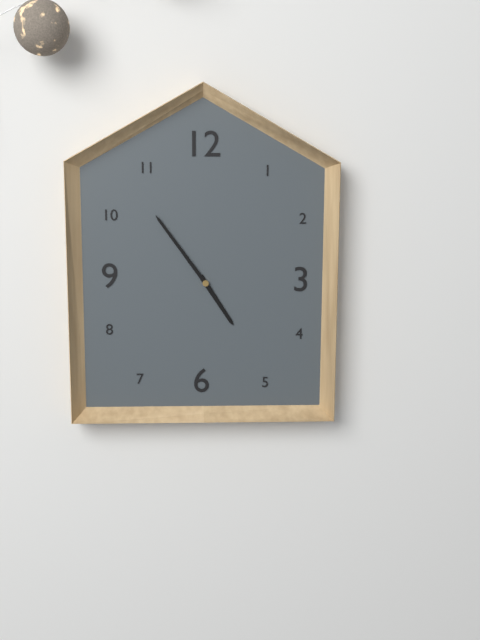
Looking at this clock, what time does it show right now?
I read 4:54
